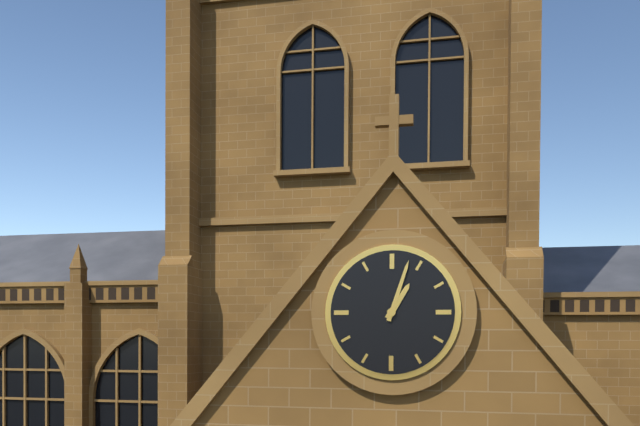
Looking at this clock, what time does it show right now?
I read 1:03
